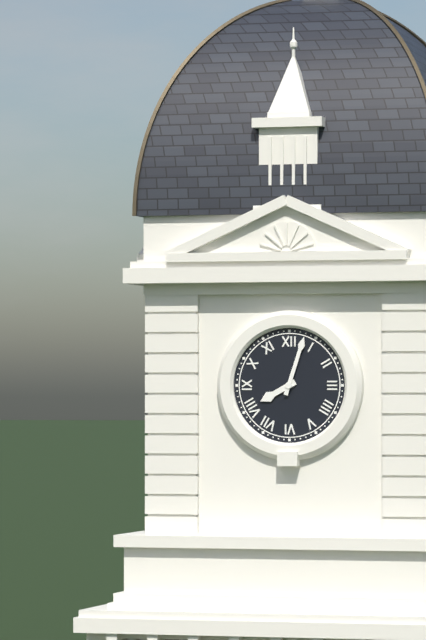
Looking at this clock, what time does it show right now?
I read 8:03
